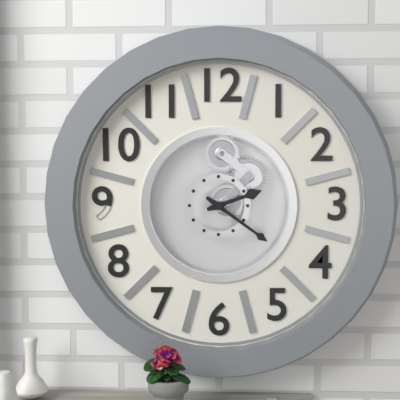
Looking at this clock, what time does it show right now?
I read 2:21
